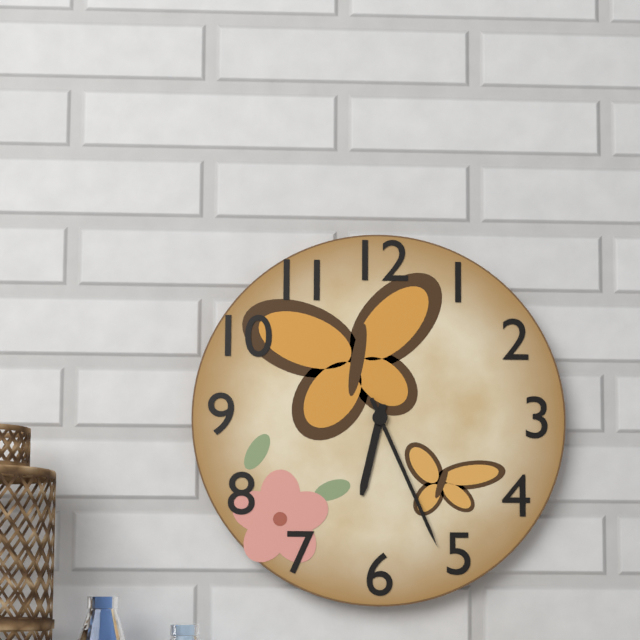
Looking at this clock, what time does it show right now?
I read 6:26
